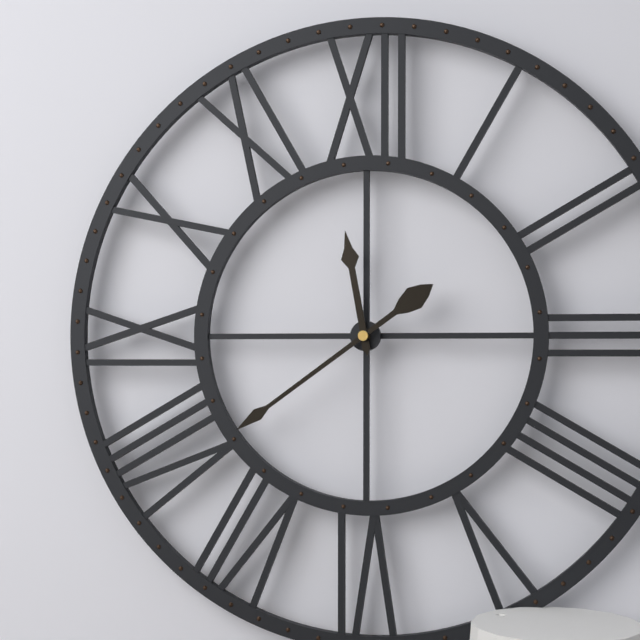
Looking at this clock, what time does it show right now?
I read 11:39
